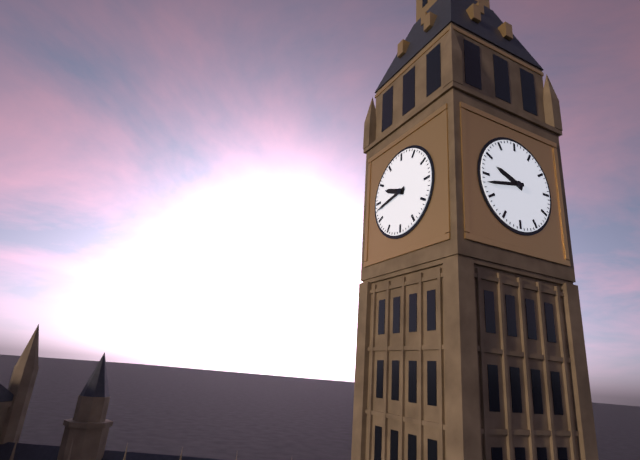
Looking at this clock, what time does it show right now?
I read 9:43
